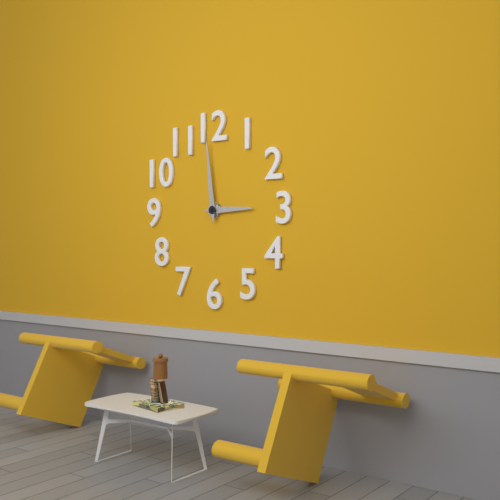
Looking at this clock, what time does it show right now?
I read 2:59
